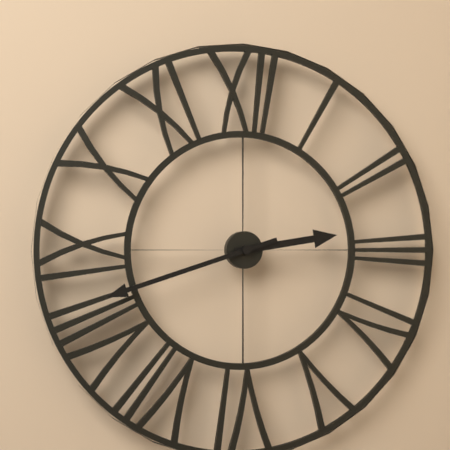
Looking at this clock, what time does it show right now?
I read 2:42
